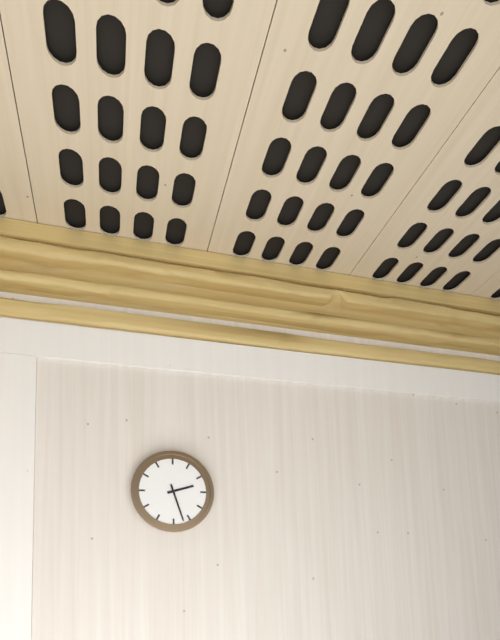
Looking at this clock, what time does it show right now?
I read 2:27
